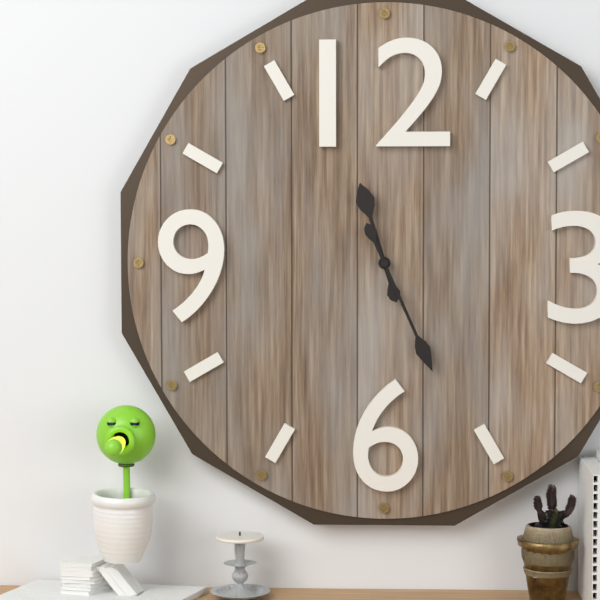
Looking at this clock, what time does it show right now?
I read 11:26
